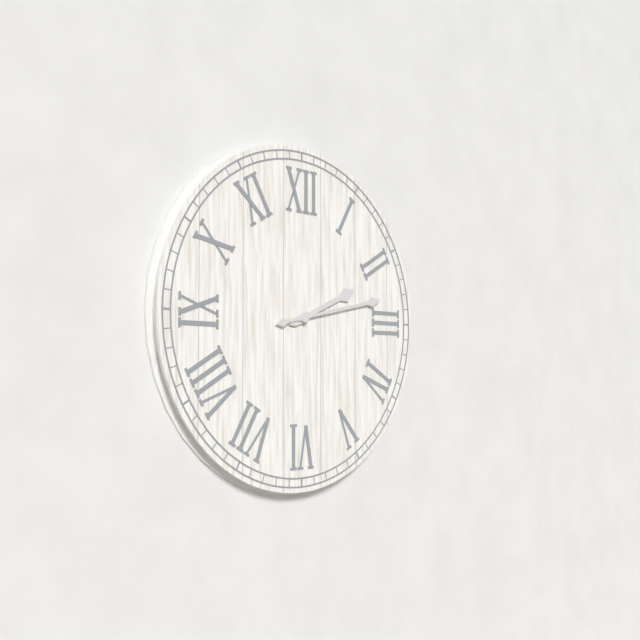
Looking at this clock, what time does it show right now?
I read 2:13
